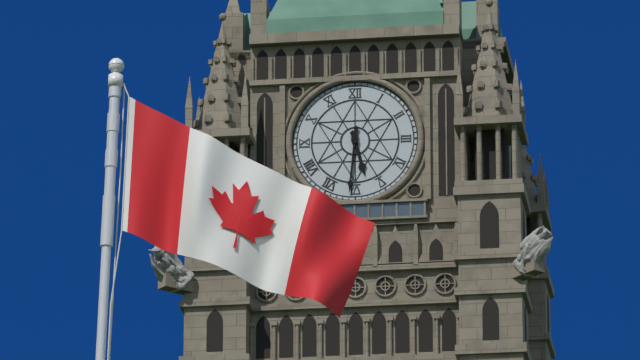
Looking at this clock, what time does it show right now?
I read 5:31
